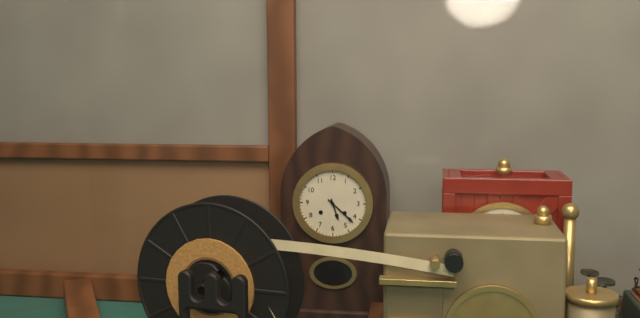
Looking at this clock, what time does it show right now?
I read 5:22
